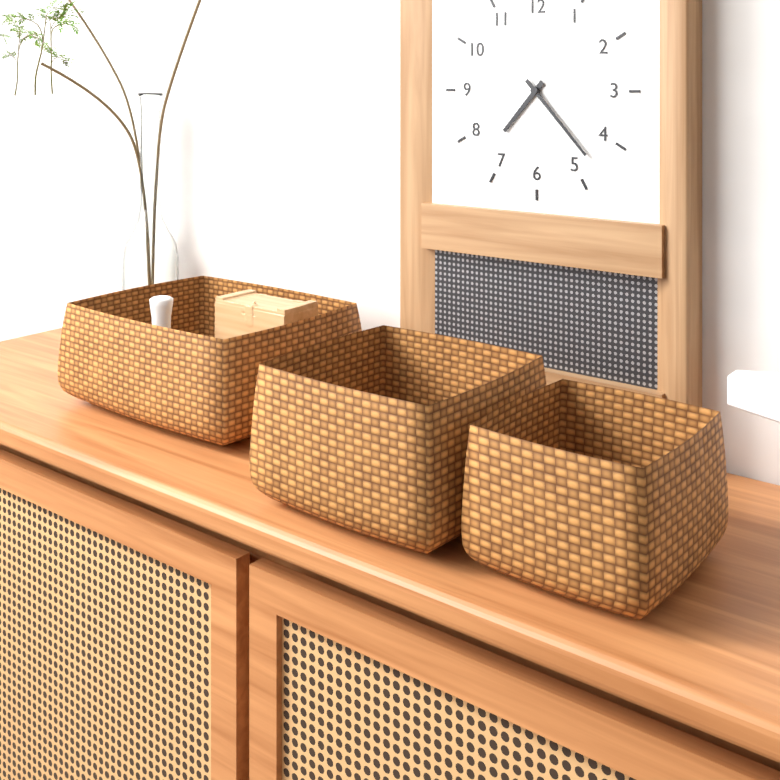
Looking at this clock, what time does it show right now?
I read 7:23
